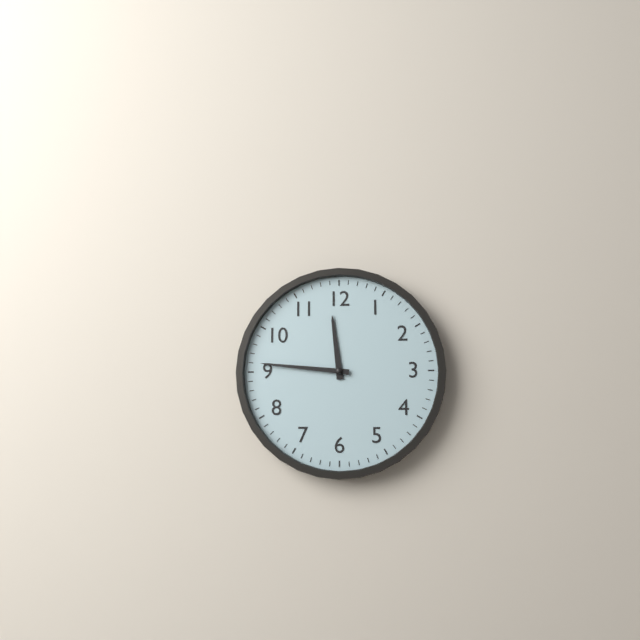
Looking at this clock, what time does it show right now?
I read 11:46
